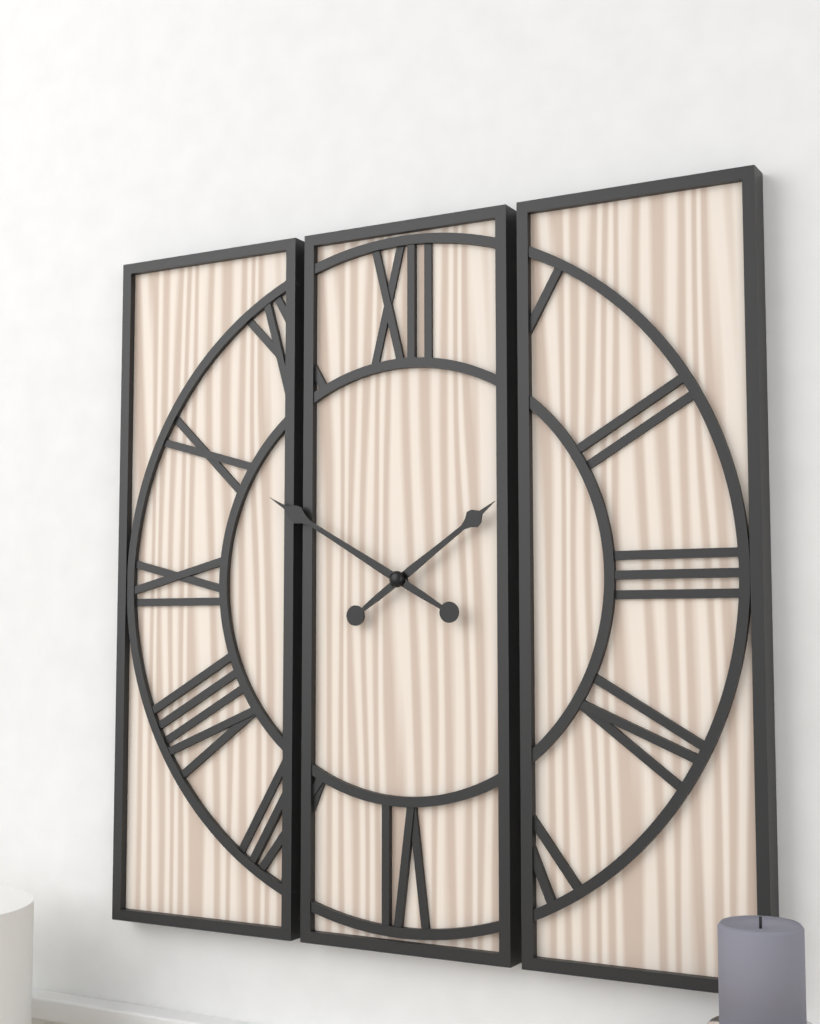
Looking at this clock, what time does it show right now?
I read 1:50
